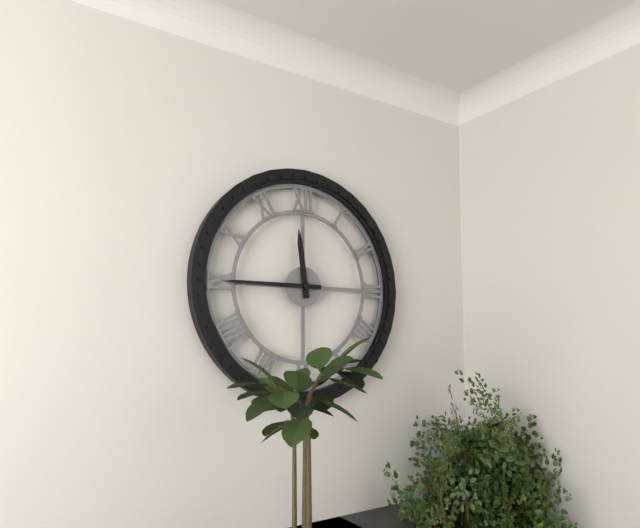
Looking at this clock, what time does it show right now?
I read 11:45
